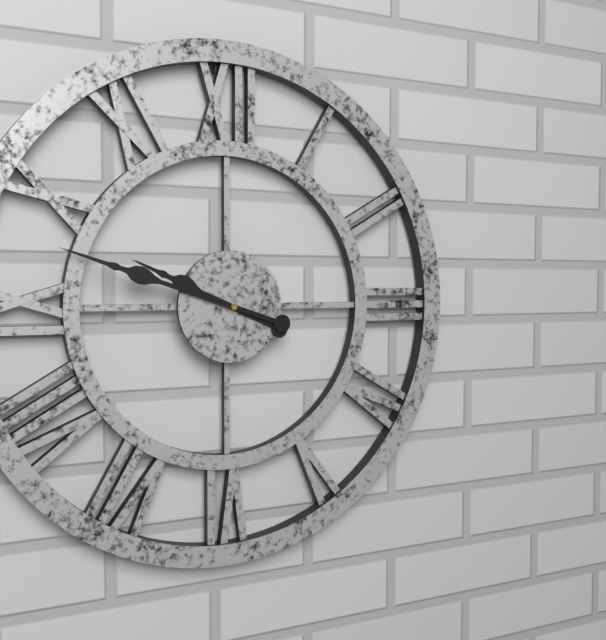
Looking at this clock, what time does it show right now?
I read 9:48
